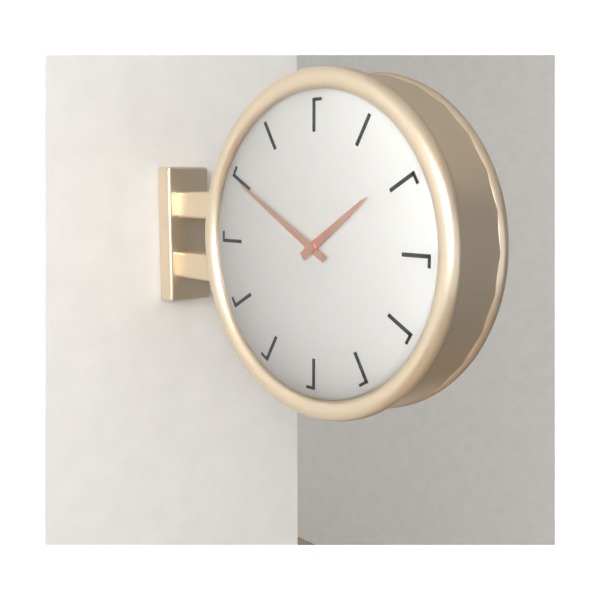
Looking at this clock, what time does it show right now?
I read 1:50
